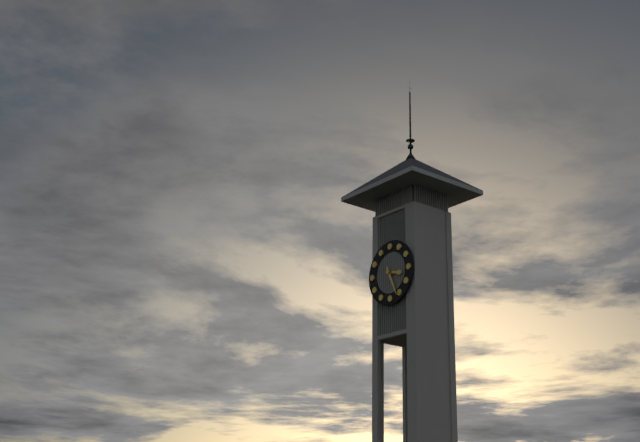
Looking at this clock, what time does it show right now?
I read 3:26
